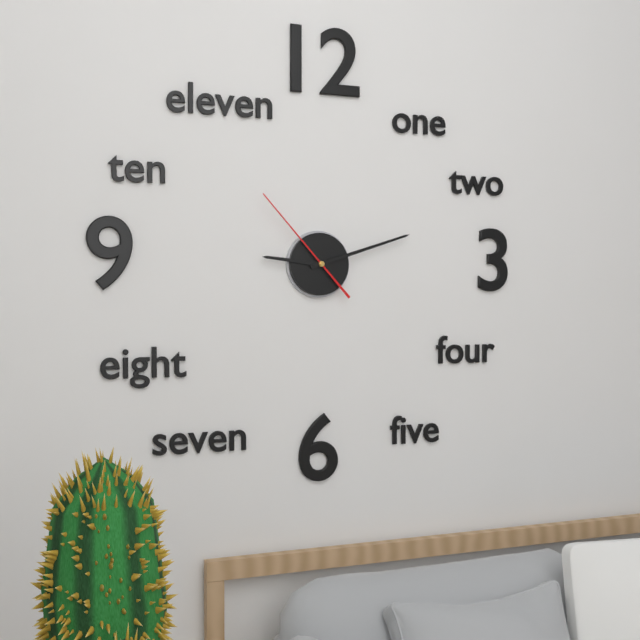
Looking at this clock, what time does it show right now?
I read 9:12:53
